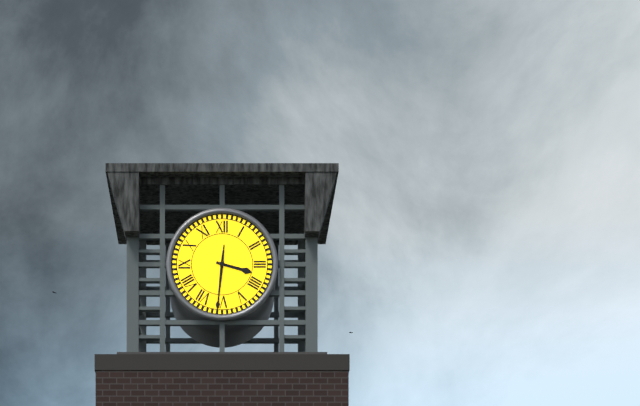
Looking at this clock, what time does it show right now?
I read 3:31
